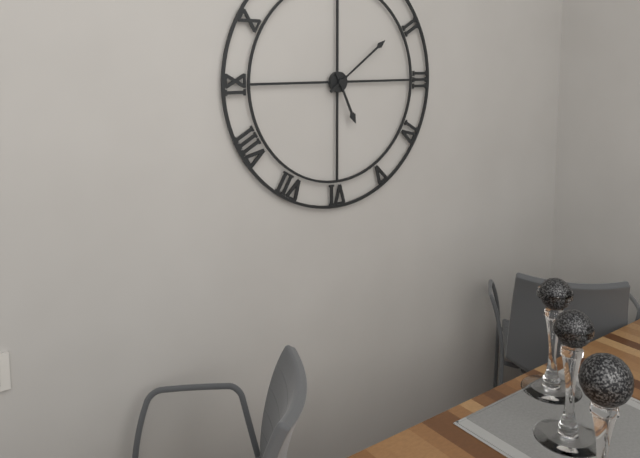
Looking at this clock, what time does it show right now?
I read 5:09
